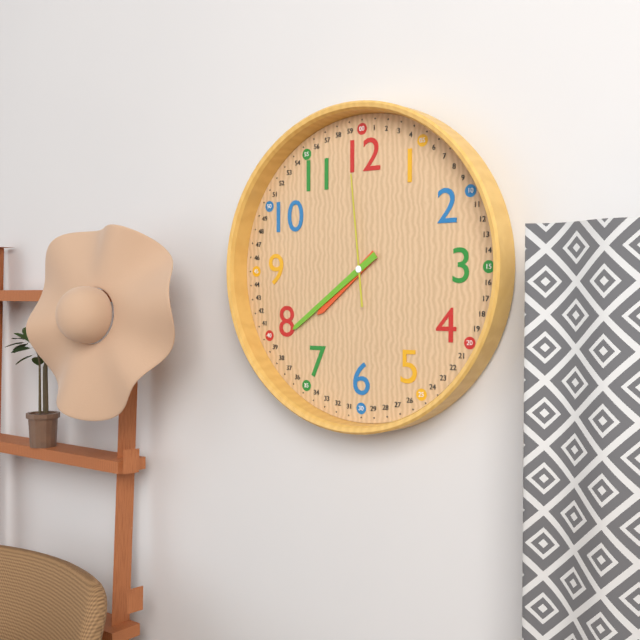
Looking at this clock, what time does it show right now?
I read 7:39:59
